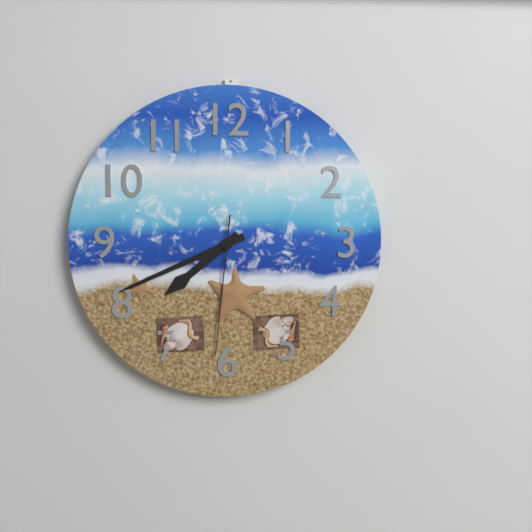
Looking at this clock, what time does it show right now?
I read 7:41:31
